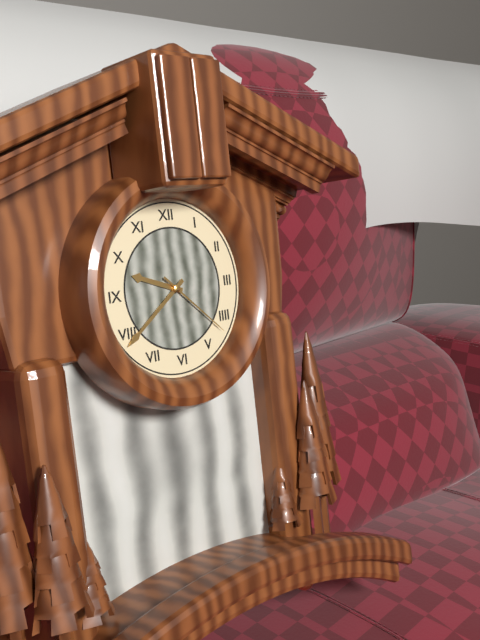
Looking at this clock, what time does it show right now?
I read 9:39:22
